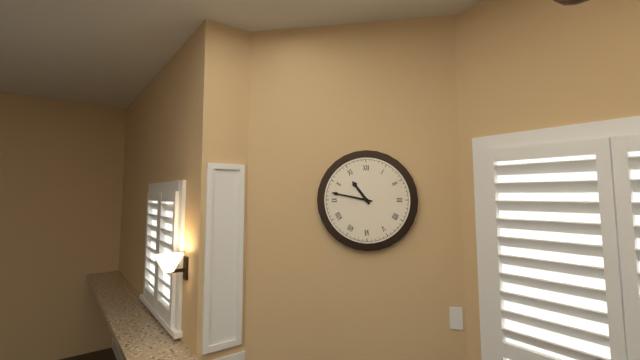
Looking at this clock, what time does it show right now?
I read 10:47
